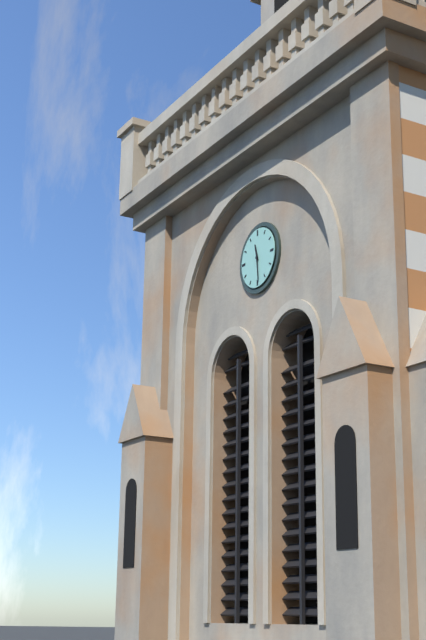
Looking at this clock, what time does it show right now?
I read 11:29
